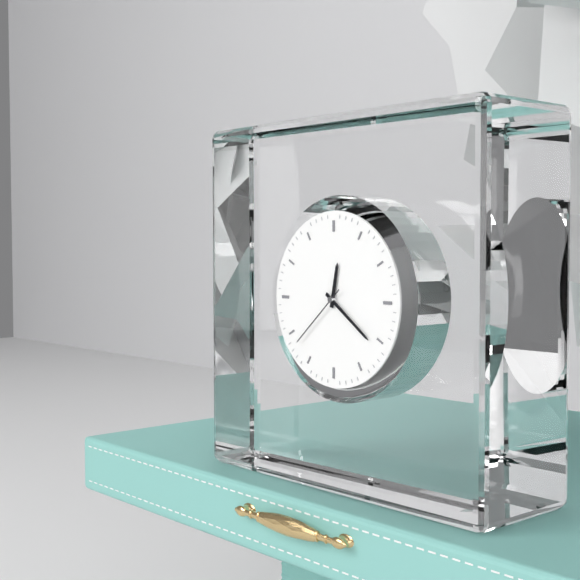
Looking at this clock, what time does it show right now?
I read 12:21:38
